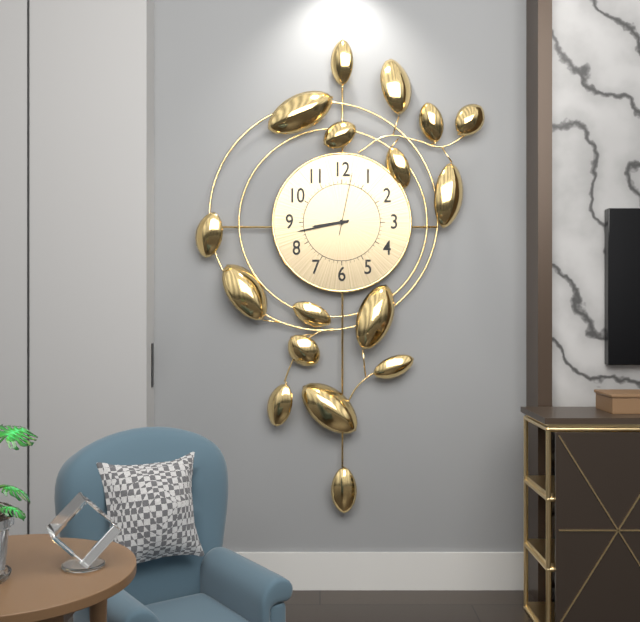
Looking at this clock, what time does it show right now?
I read 8:43:02
